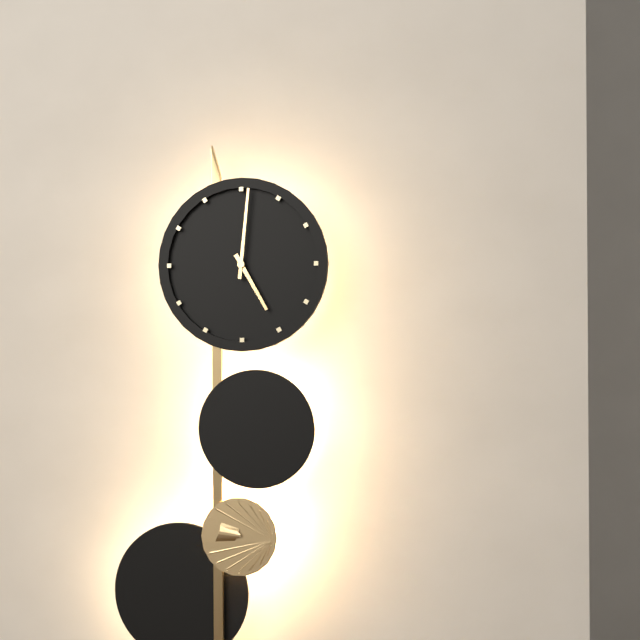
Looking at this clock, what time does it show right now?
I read 5:01
